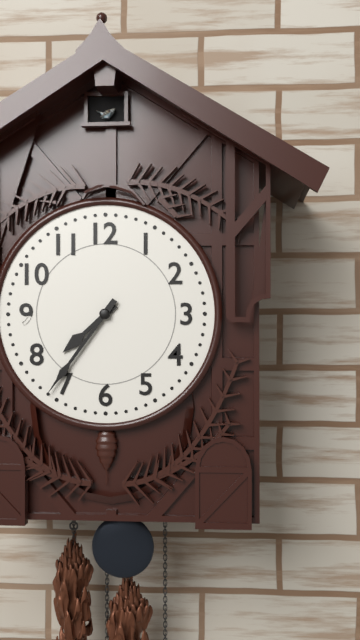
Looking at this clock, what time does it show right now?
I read 7:36
